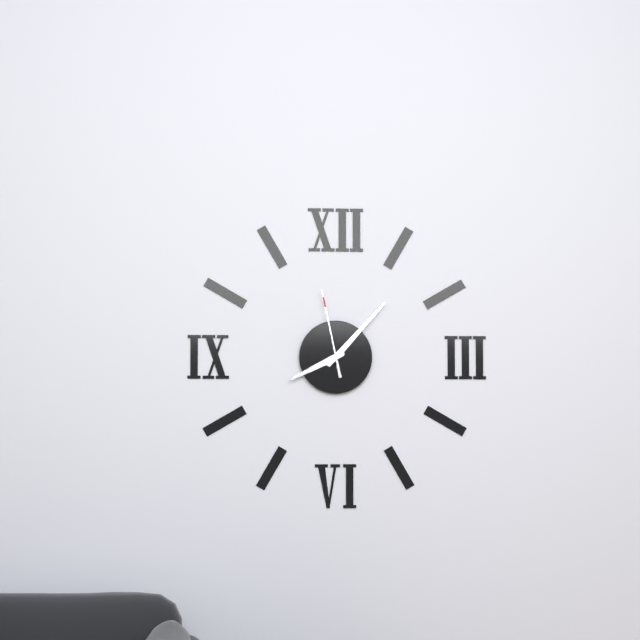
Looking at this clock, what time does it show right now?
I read 8:07:58
